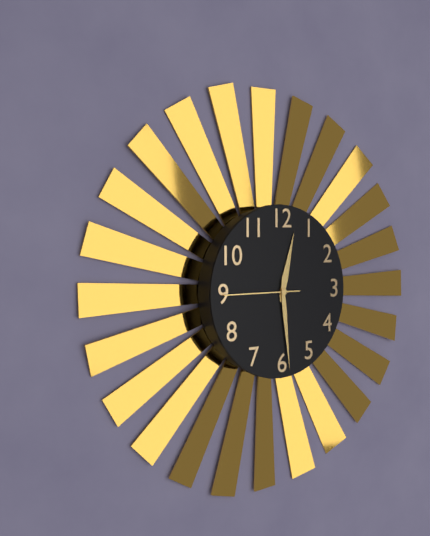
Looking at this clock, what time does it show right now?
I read 12:29:45
